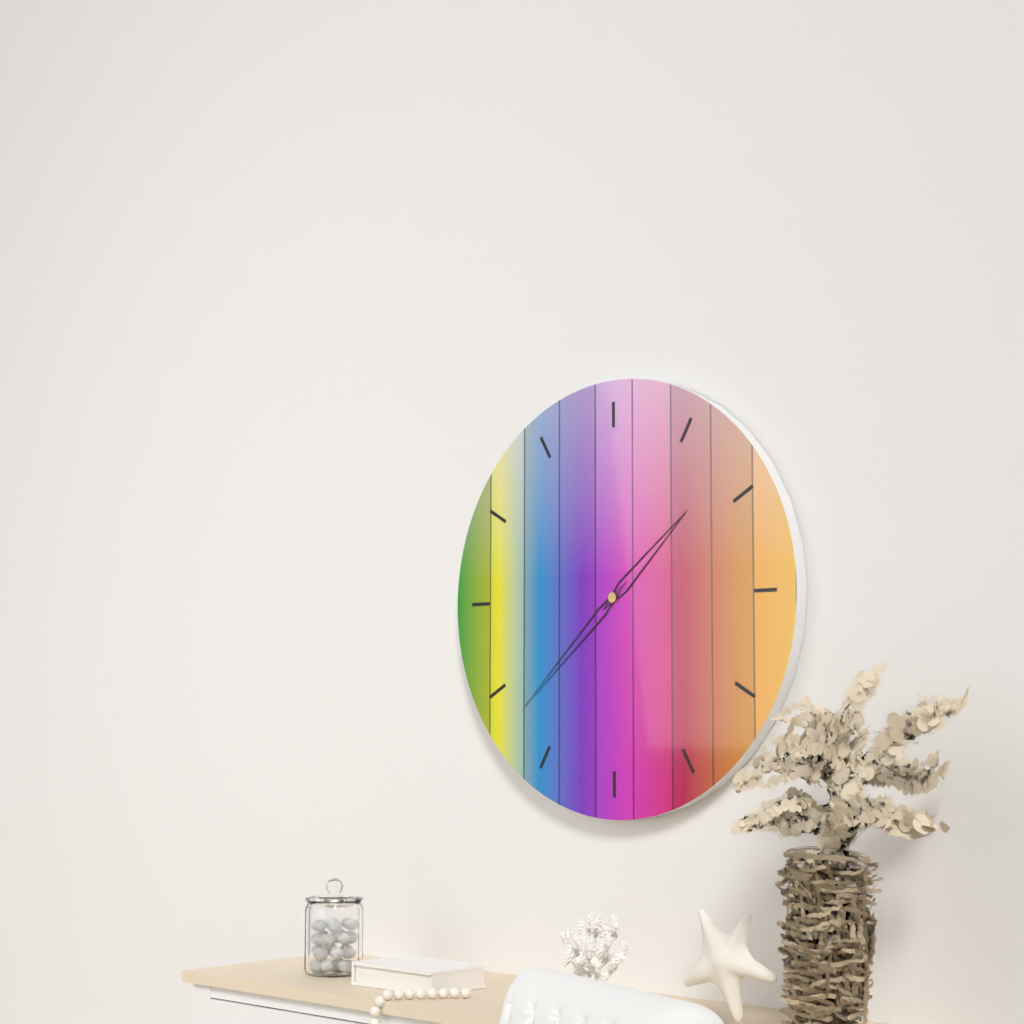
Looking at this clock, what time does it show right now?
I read 1:38
